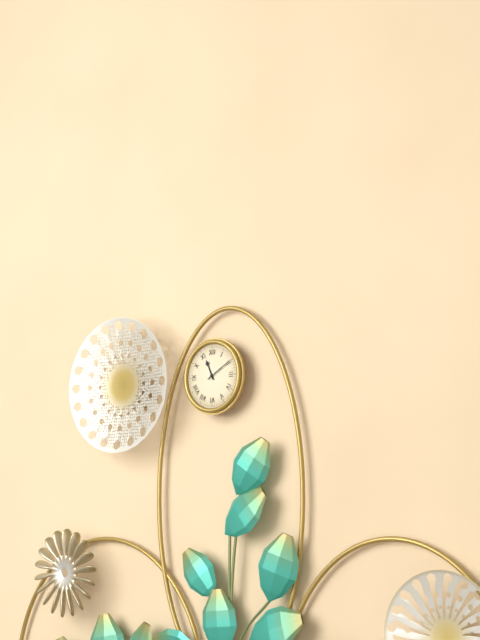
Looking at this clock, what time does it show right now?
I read 11:10
